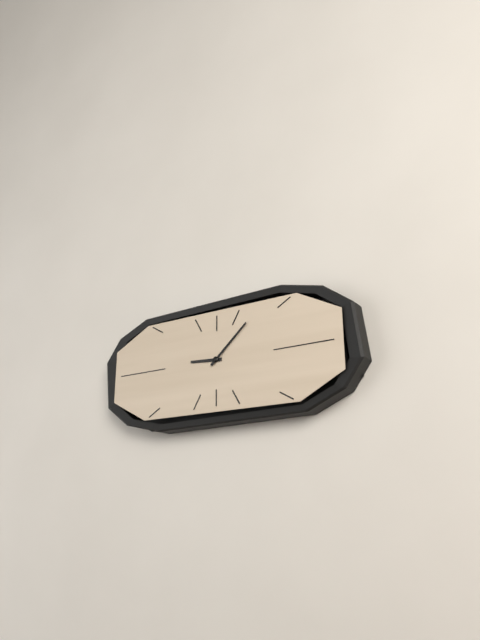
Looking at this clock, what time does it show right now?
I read 9:08
